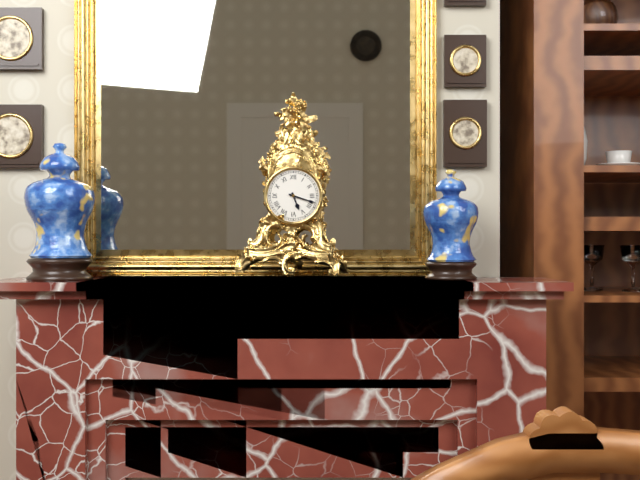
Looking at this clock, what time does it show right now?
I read 5:18
